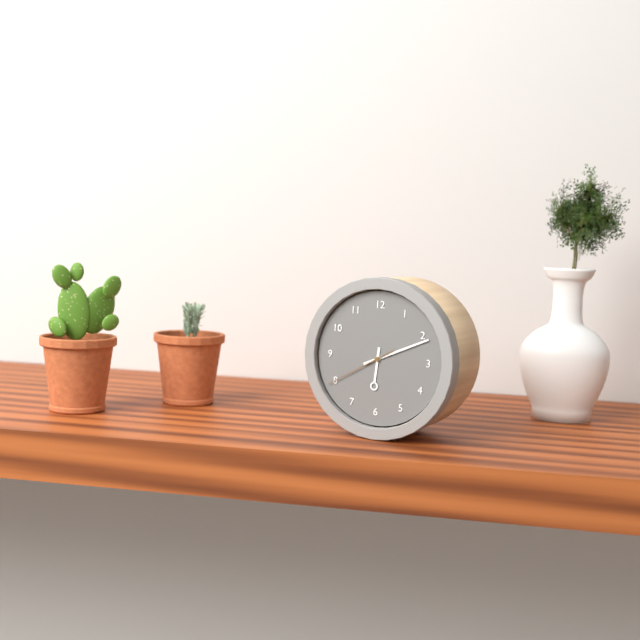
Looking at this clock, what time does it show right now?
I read 6:11:40
